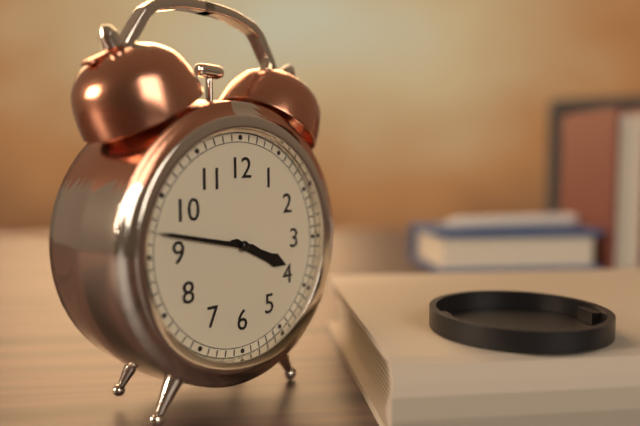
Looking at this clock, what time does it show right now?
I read 3:47
